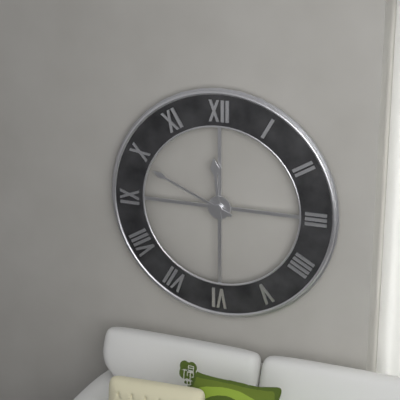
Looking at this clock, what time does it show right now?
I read 11:49
